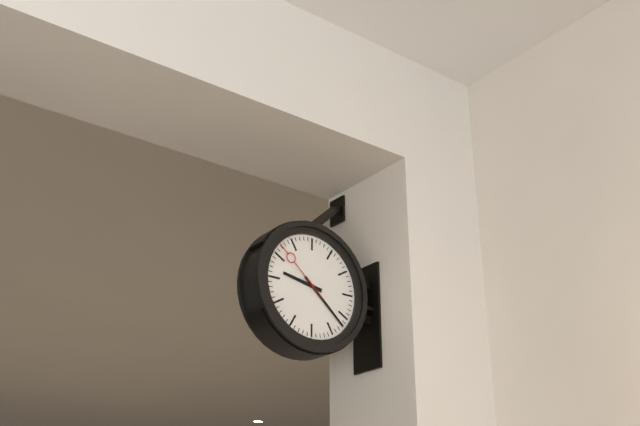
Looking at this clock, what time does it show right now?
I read 9:22:52
